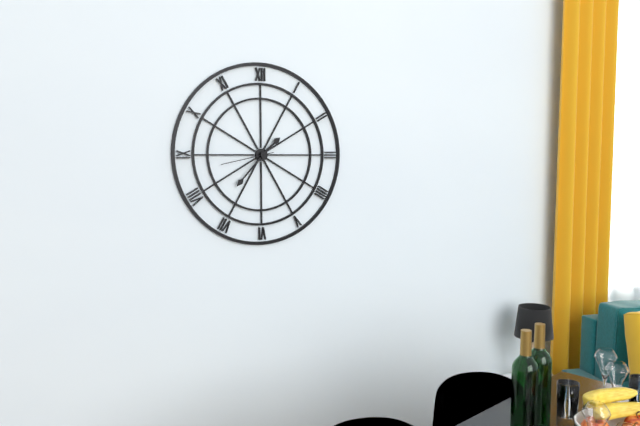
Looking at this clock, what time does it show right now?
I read 1:37:43
